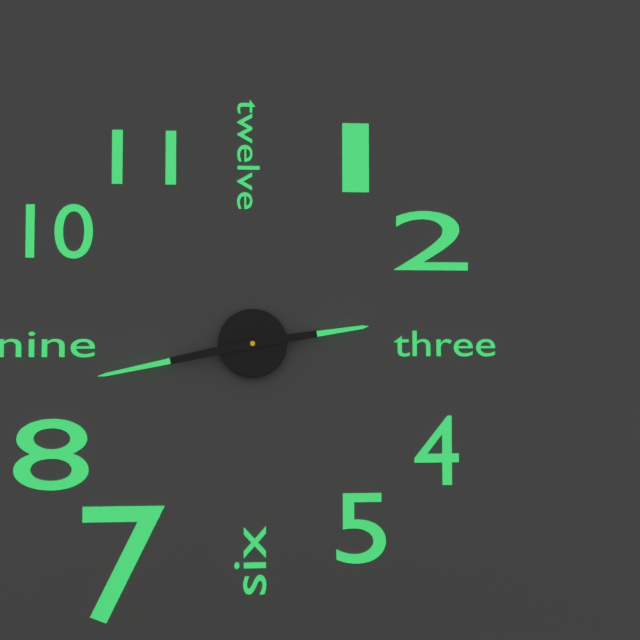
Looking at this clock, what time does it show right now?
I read 2:43
